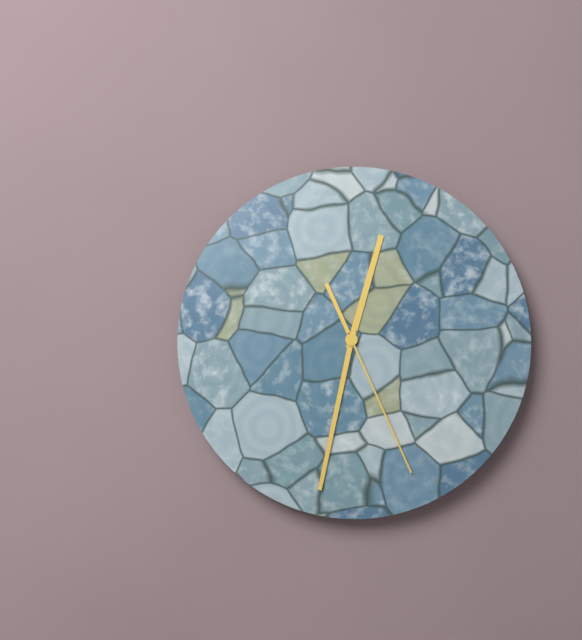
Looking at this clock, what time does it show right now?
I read 12:32:26
